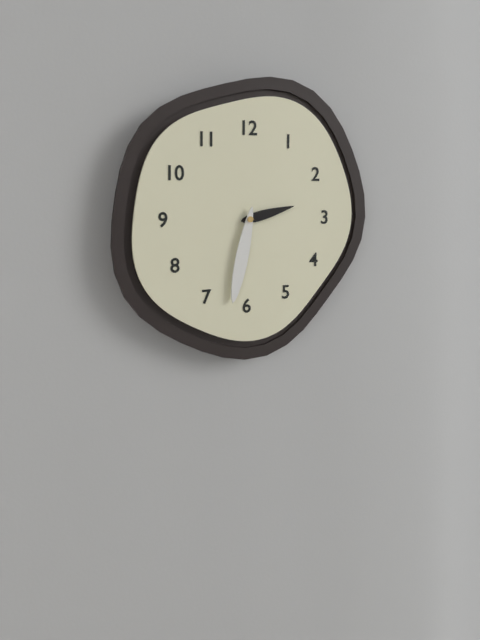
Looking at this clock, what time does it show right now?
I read 2:32
